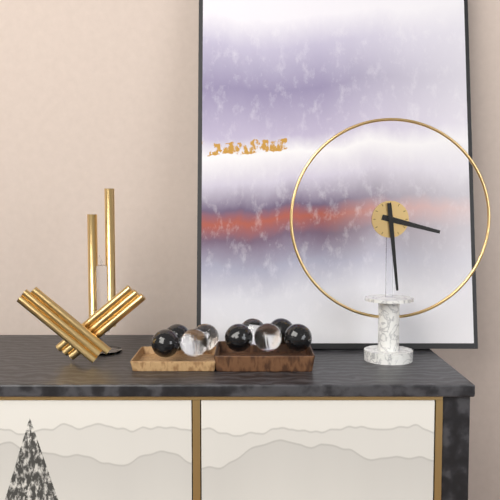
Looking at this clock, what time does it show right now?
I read 3:29
